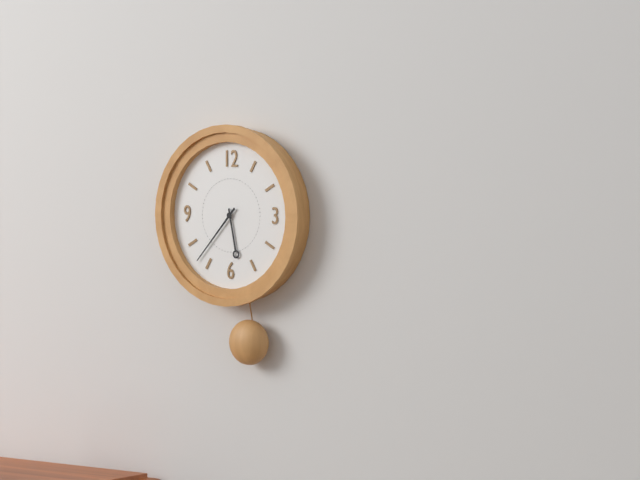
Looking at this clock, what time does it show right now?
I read 5:37
